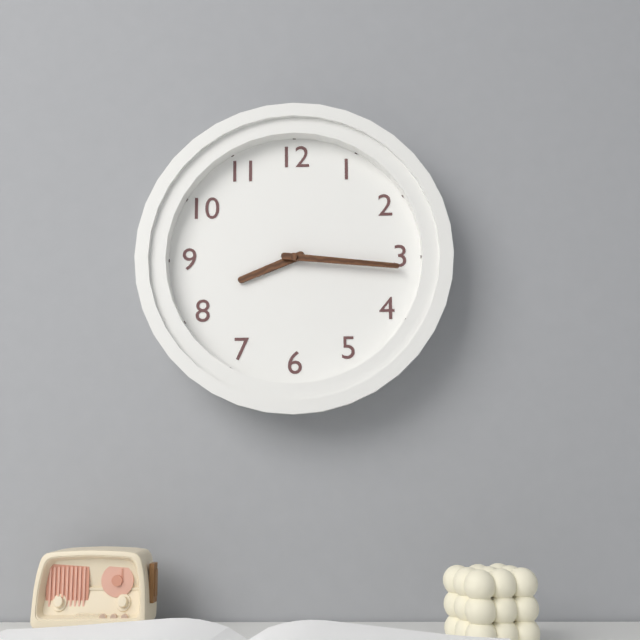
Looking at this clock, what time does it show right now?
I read 8:16
